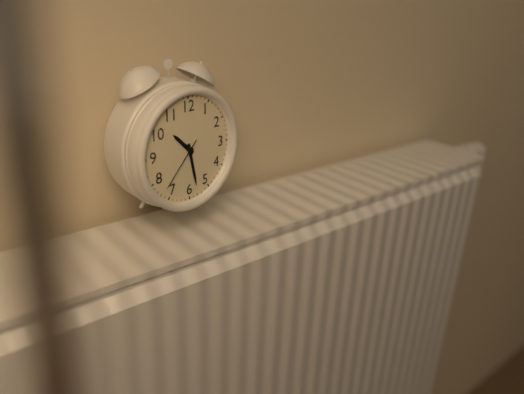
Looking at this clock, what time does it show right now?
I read 10:28:37
